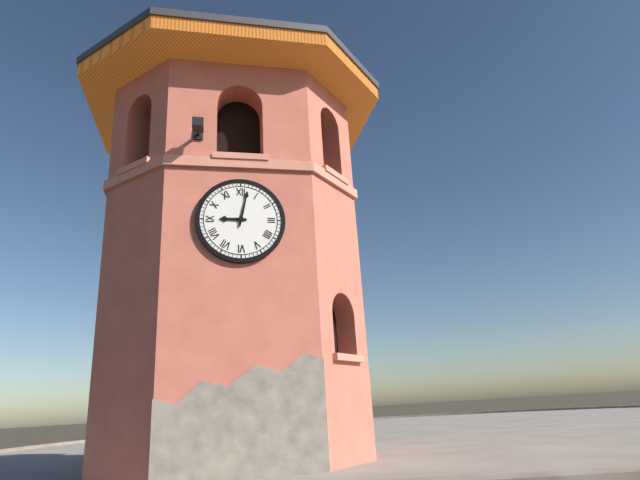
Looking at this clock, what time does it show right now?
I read 9:02
